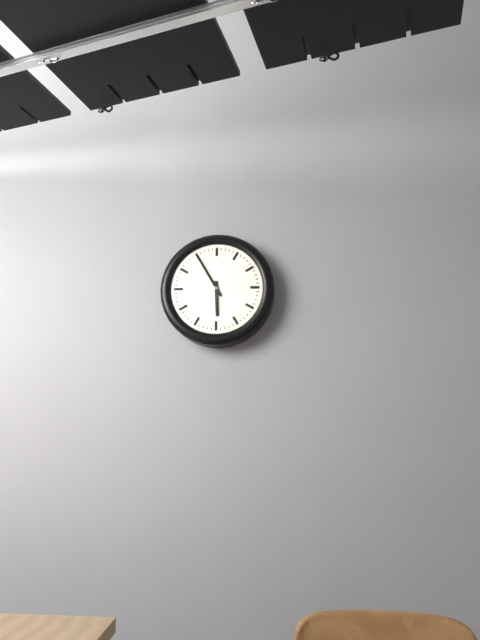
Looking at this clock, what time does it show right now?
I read 5:55
